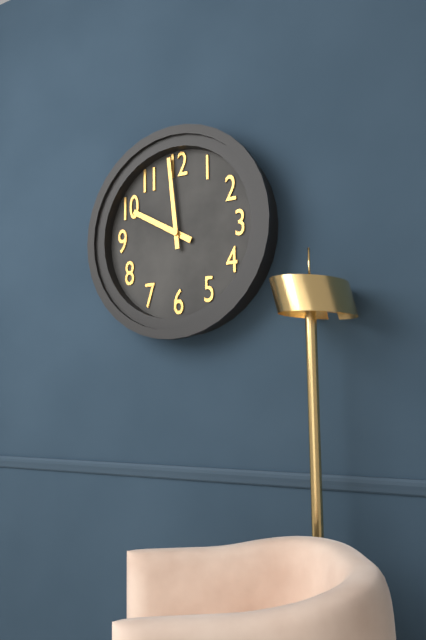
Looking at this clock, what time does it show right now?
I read 9:59
